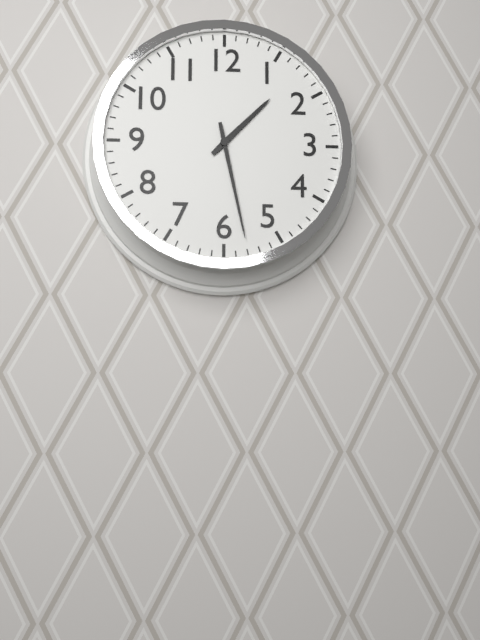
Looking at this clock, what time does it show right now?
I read 1:28
